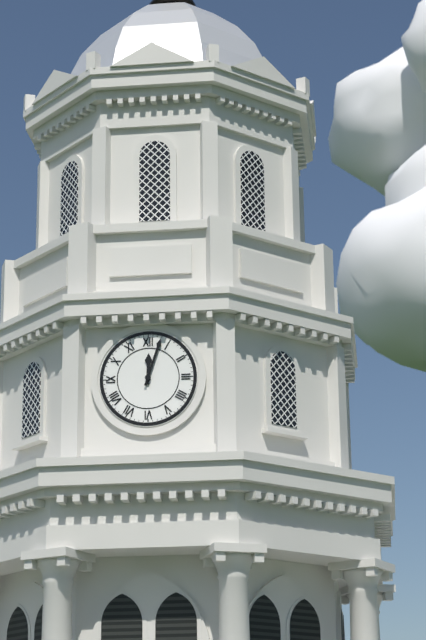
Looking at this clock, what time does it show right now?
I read 12:03
